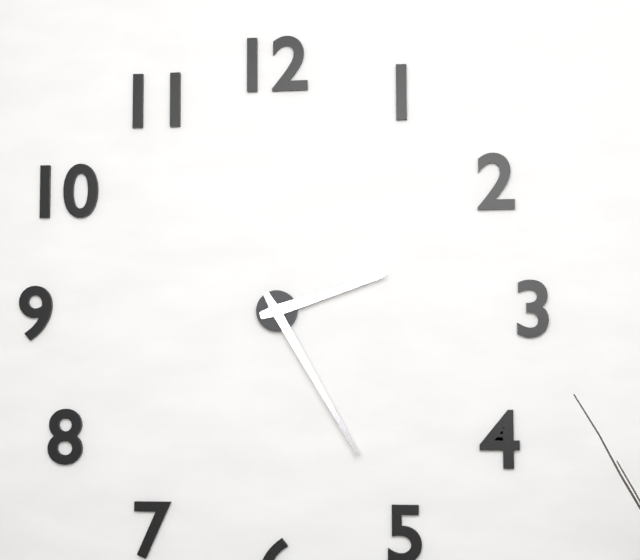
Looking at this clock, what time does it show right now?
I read 2:25
